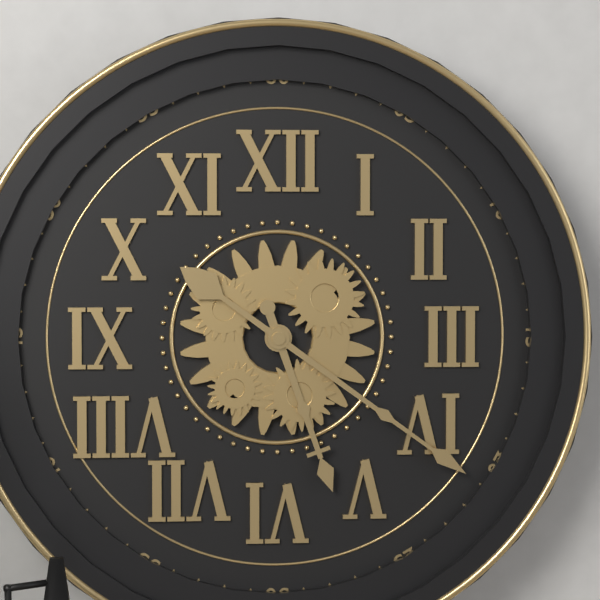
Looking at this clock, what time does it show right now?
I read 5:21
